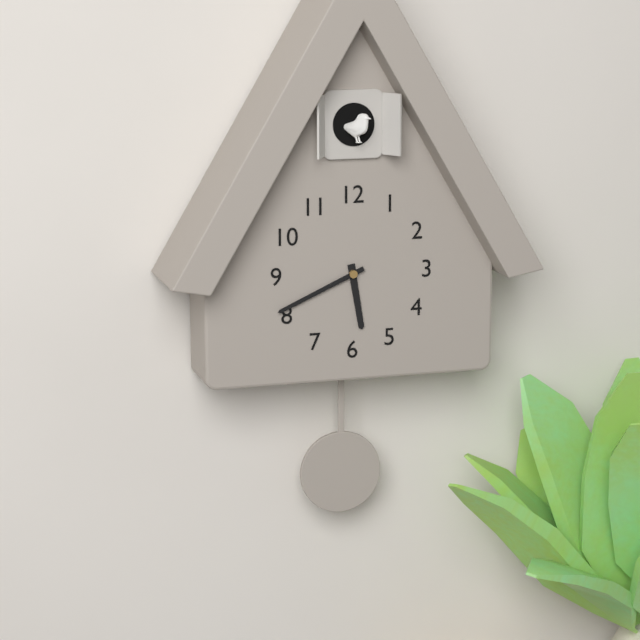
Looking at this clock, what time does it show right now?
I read 5:41
